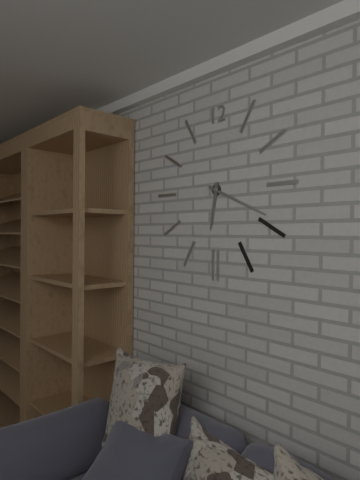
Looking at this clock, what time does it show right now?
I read 6:19
